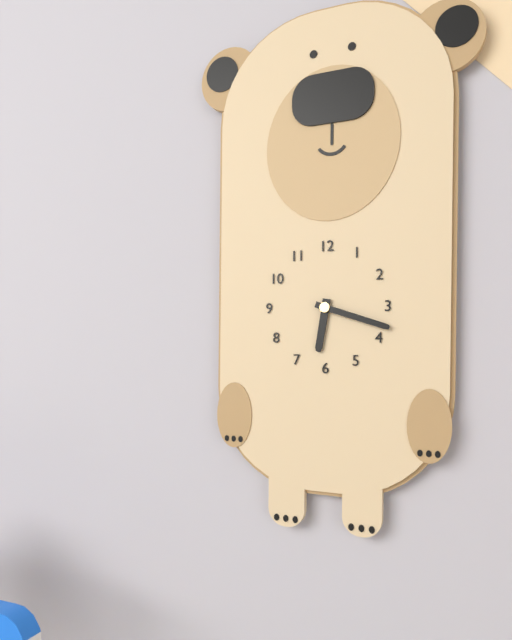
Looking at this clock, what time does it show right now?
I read 6:18
